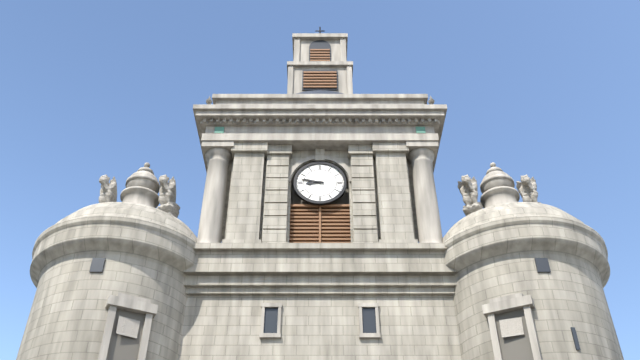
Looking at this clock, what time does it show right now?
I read 8:47
